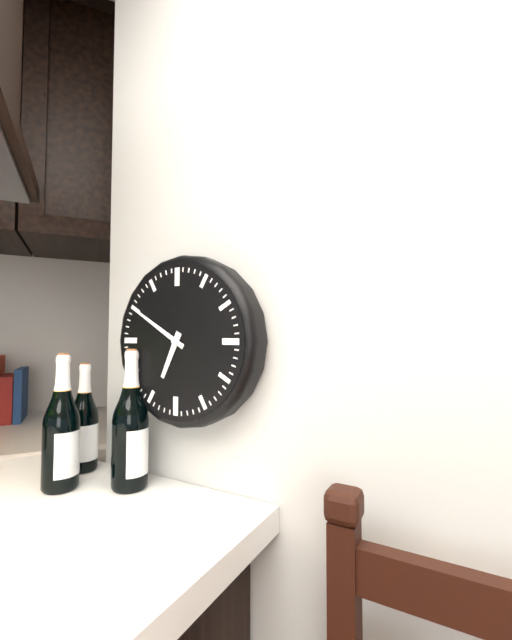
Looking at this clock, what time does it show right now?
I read 6:50
